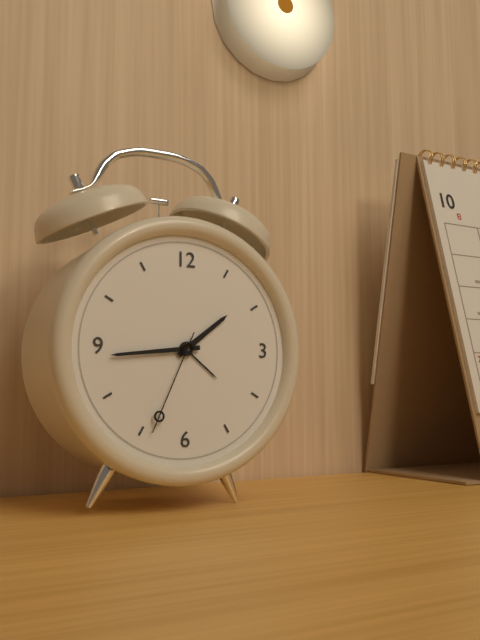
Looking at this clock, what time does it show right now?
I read 1:44:34
